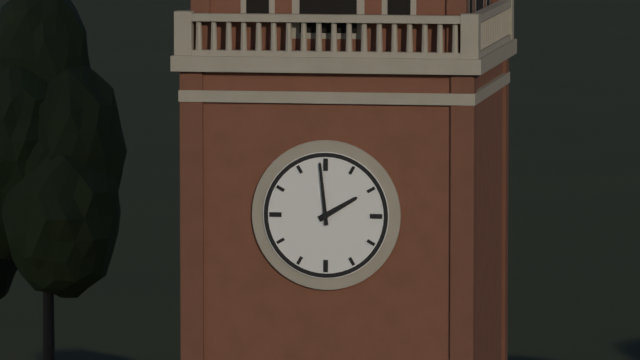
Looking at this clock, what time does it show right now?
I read 1:59
